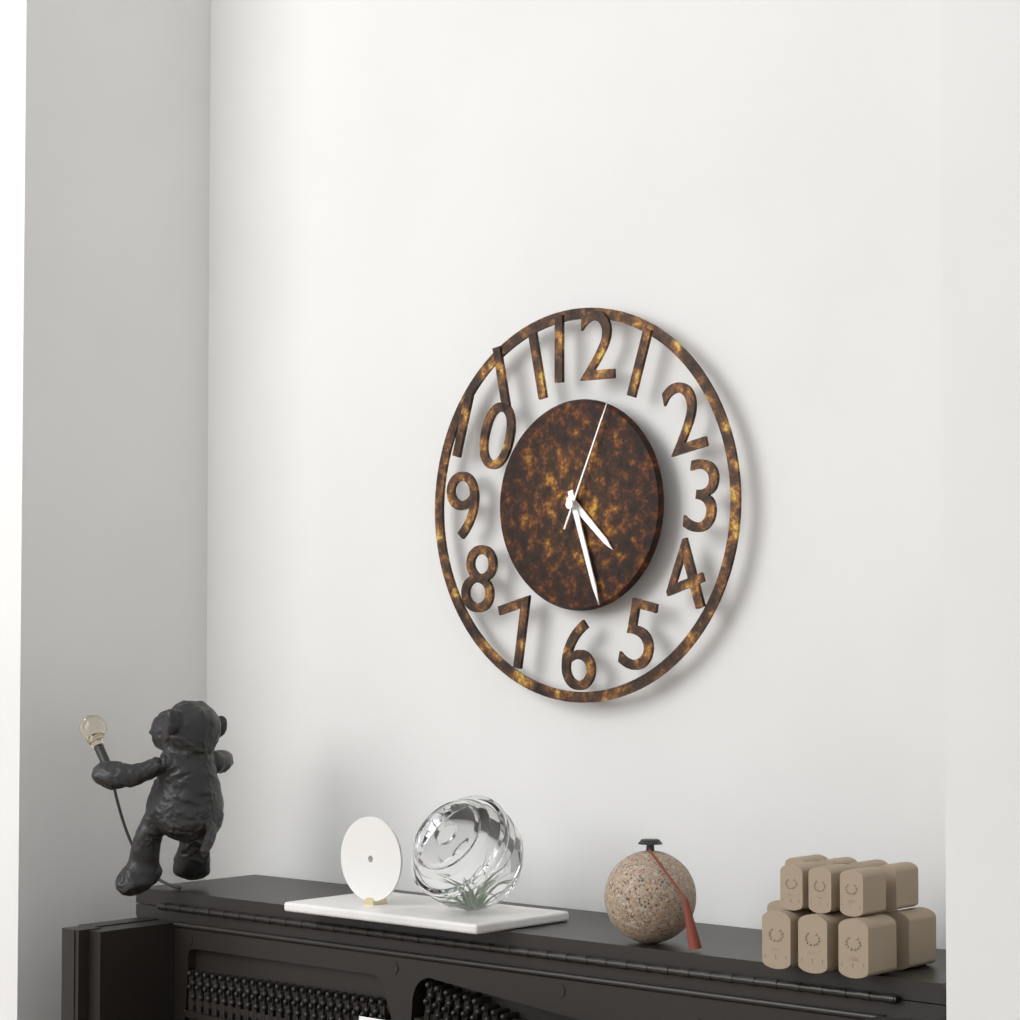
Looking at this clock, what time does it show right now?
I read 4:27:04
